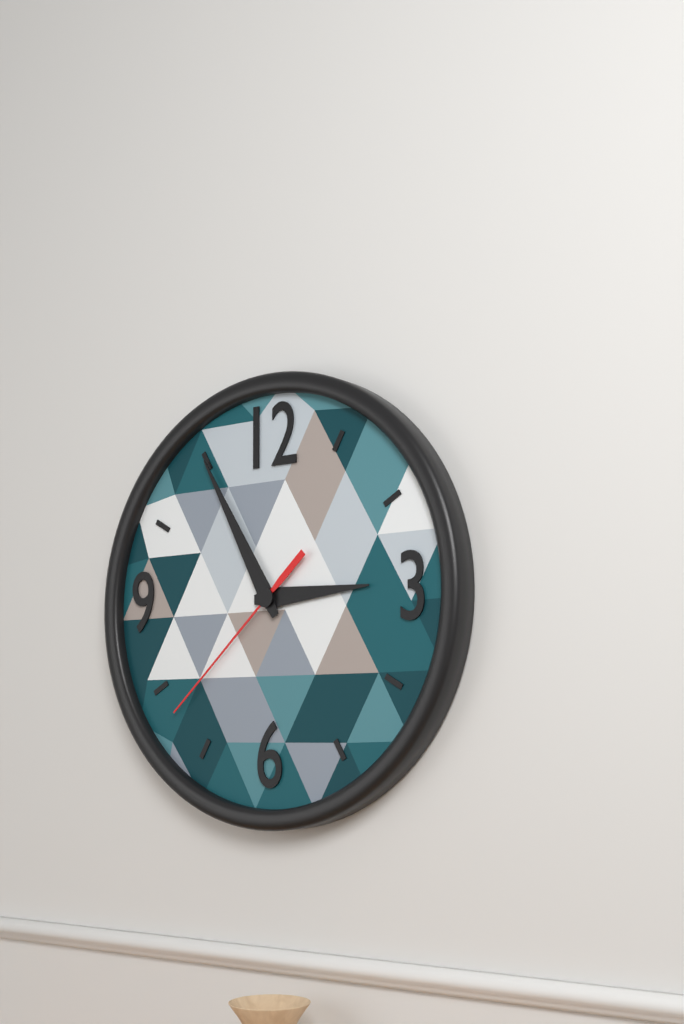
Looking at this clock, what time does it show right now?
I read 2:55:38
